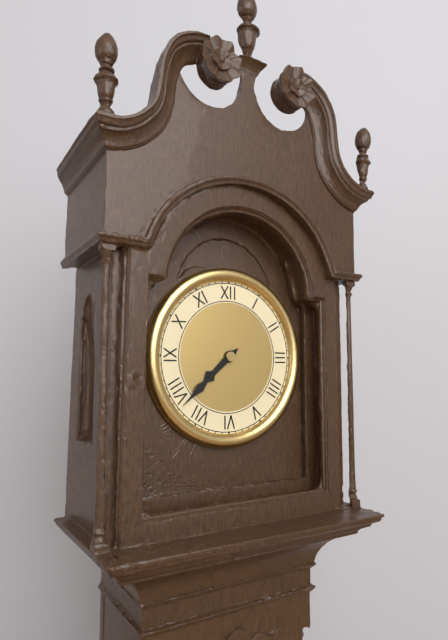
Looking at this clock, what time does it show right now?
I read 7:38
